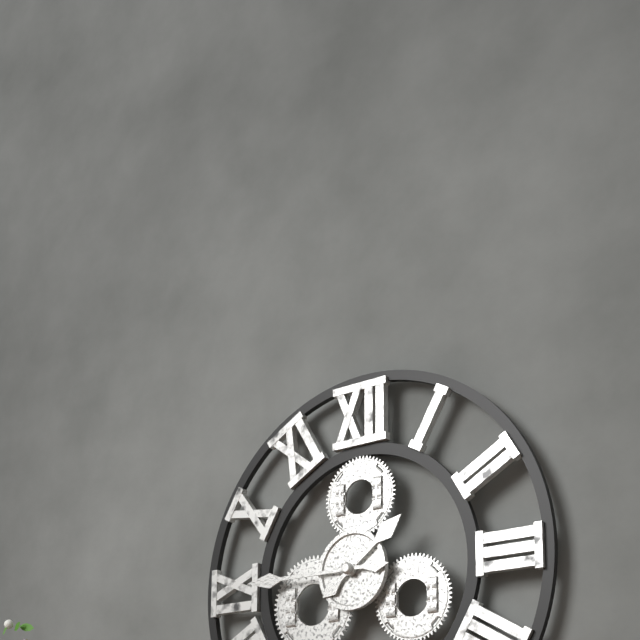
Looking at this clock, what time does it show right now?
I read 1:45
